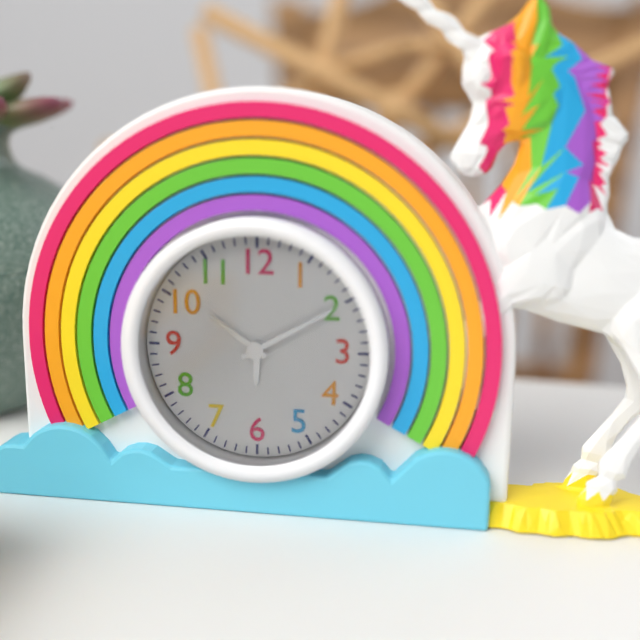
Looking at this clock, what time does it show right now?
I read 10:10
